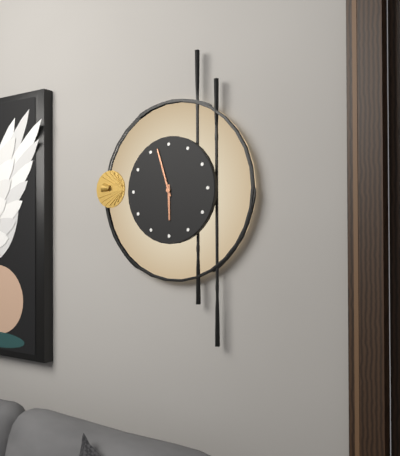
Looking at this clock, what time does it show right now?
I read 5:57
